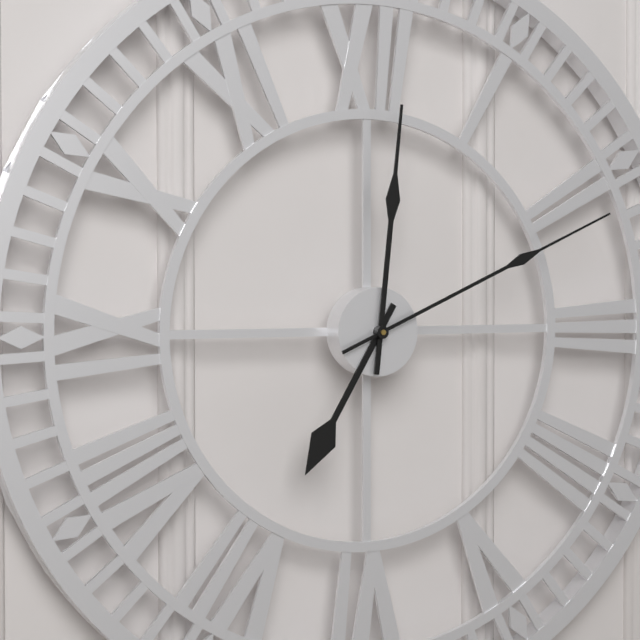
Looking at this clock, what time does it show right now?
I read 7:01:11
